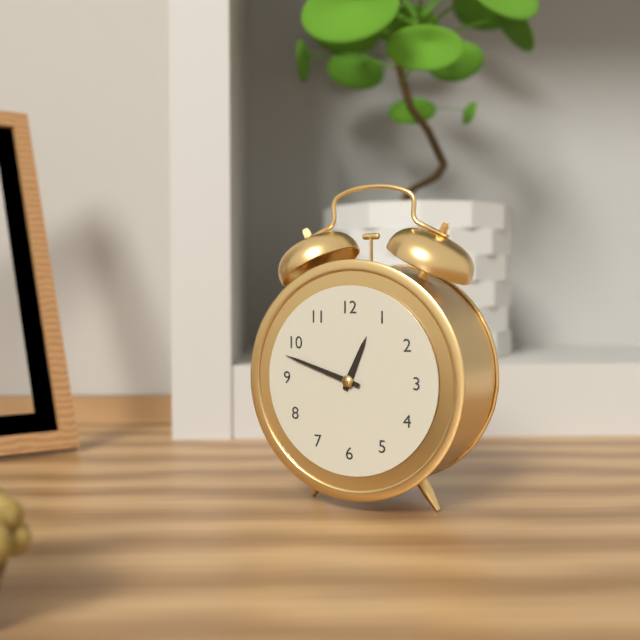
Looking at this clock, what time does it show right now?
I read 12:48
